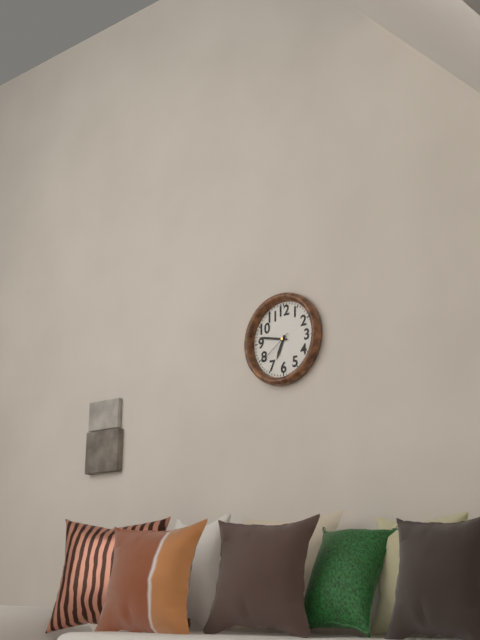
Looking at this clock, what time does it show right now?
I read 6:47
